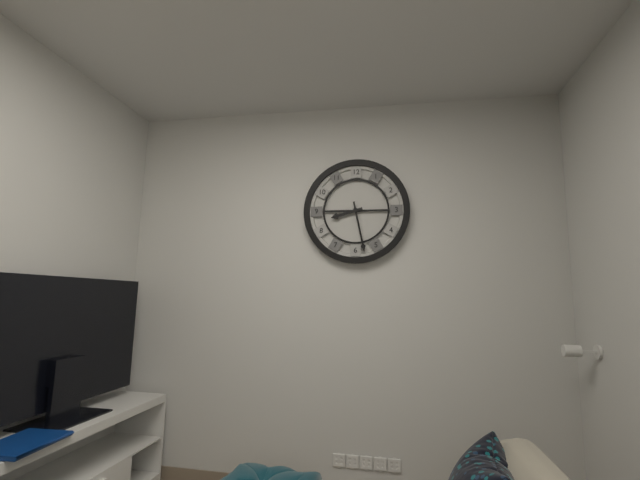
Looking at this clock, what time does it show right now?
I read 8:28
